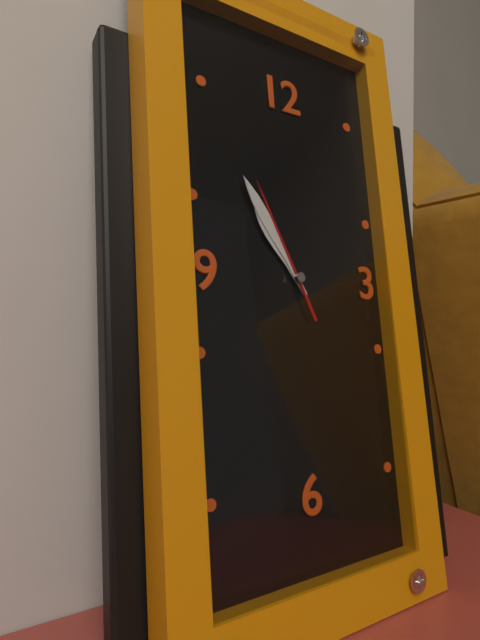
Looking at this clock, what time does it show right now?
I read 10:55:56
